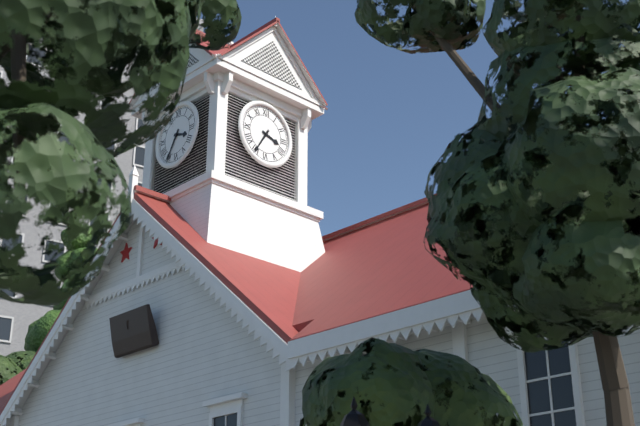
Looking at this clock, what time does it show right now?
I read 3:35
